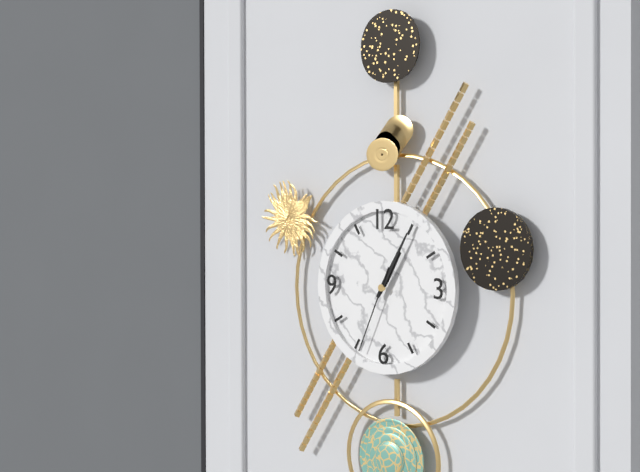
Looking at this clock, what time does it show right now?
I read 1:05:34
